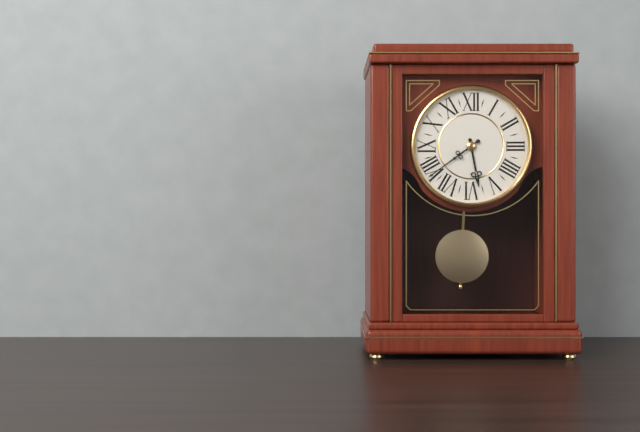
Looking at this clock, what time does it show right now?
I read 5:39
